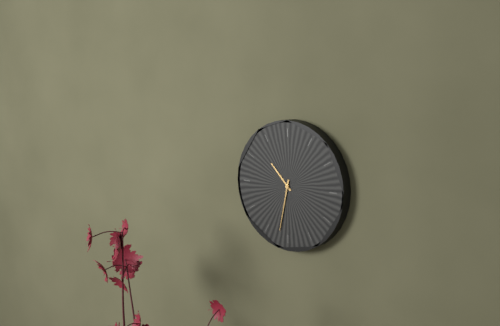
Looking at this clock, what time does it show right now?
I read 10:32
